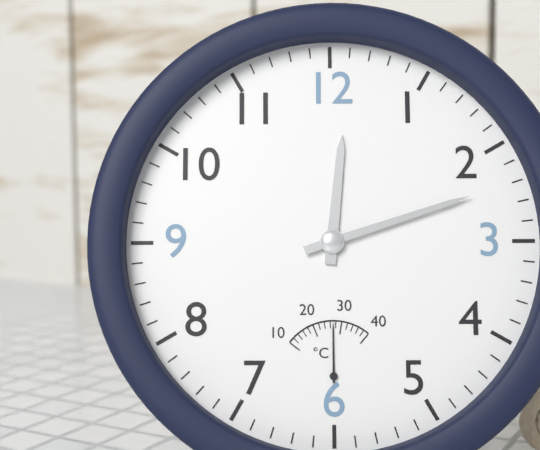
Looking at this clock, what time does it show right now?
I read 12:12
